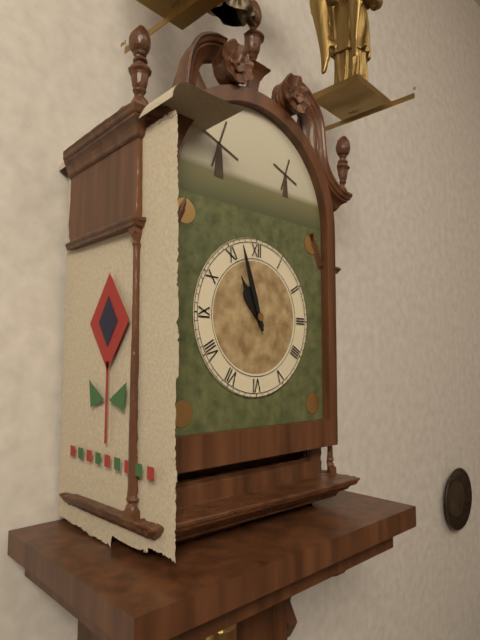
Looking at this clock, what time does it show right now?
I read 10:57
